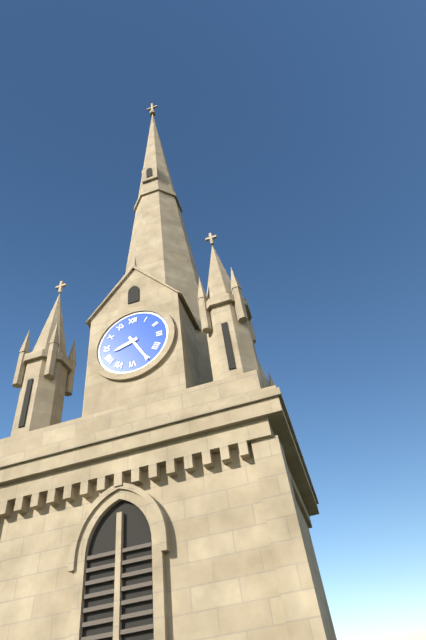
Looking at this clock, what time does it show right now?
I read 8:25
